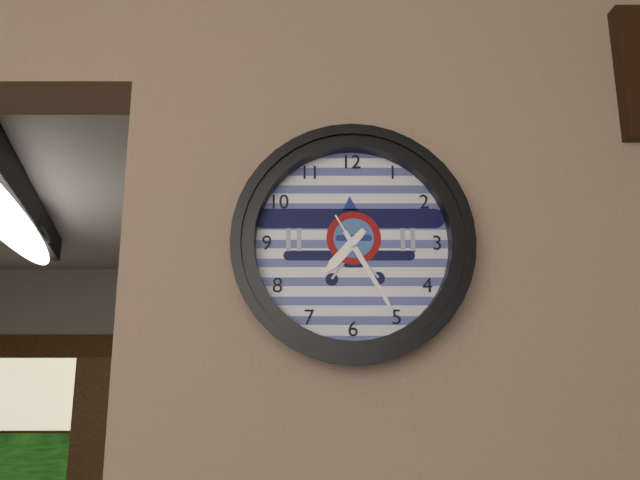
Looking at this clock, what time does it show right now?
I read 7:25:25
